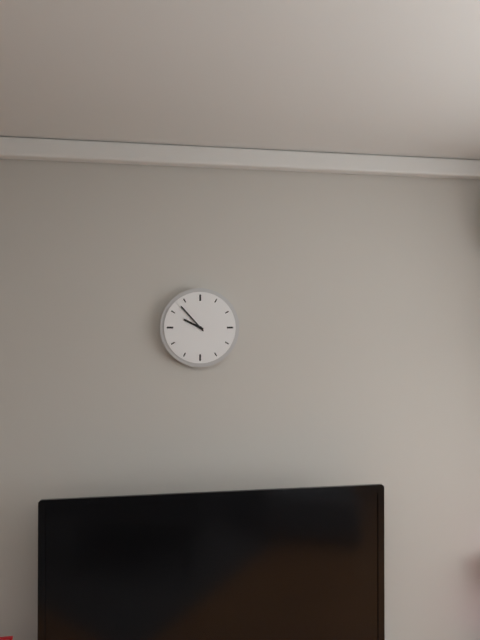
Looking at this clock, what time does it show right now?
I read 9:53
